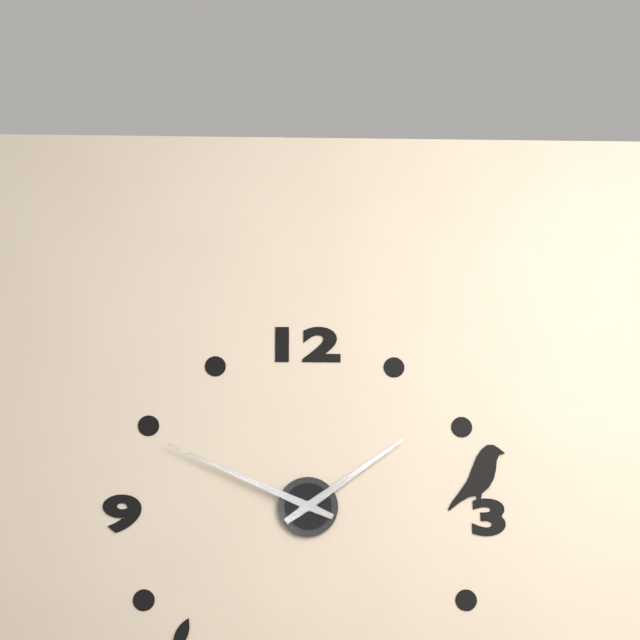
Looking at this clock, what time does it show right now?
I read 1:49
